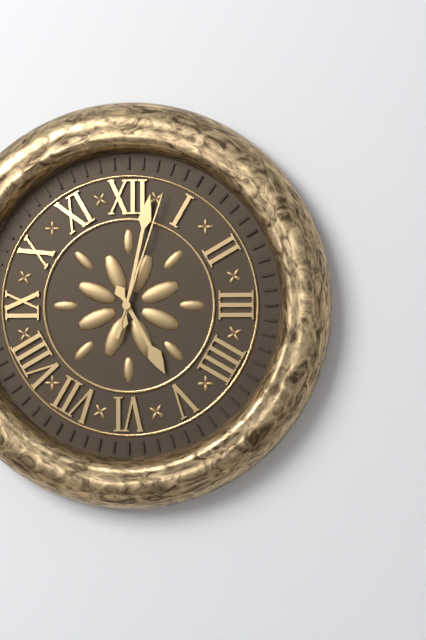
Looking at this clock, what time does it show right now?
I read 5:02:03
